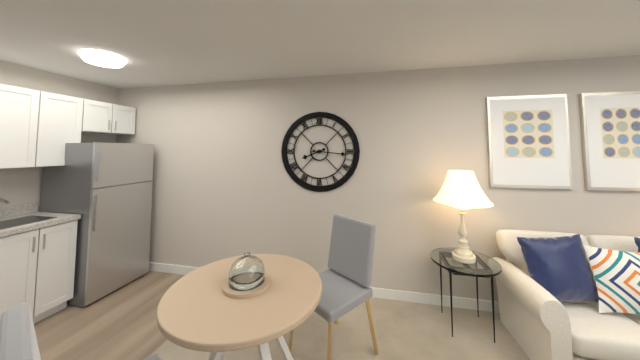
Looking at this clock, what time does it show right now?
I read 8:16
